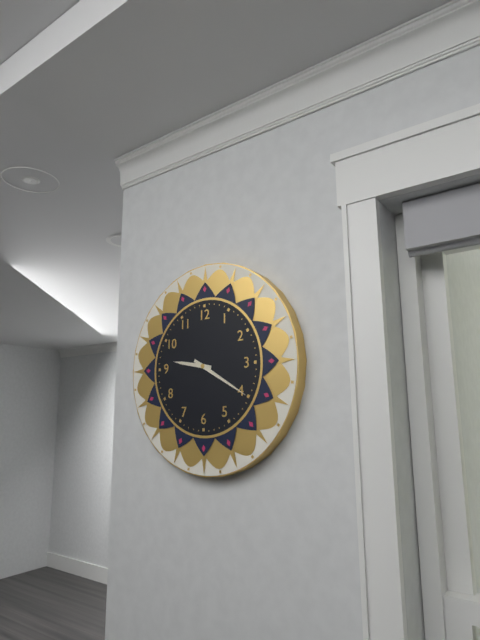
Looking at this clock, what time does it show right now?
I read 9:20
